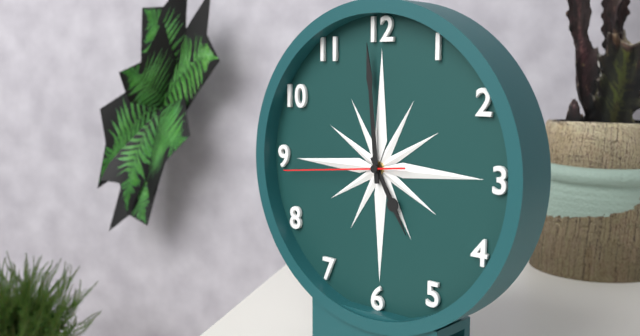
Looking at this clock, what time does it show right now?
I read 4:59:44
